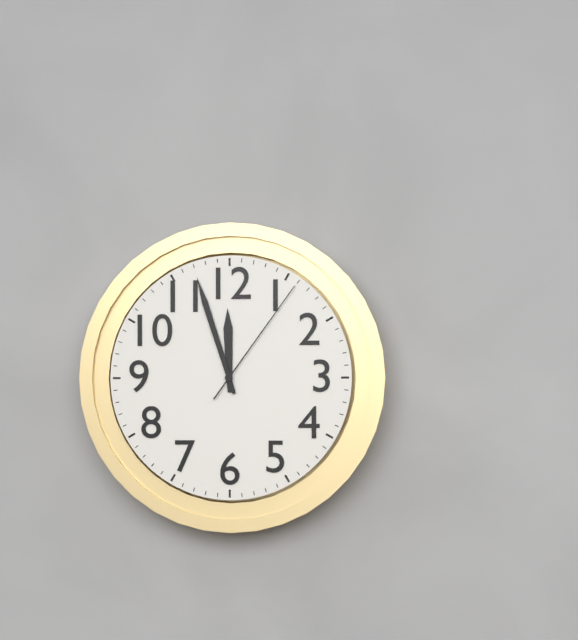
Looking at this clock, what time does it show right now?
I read 11:57:06
